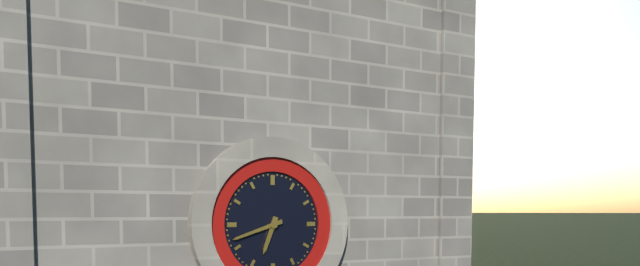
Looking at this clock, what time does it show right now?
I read 6:42
